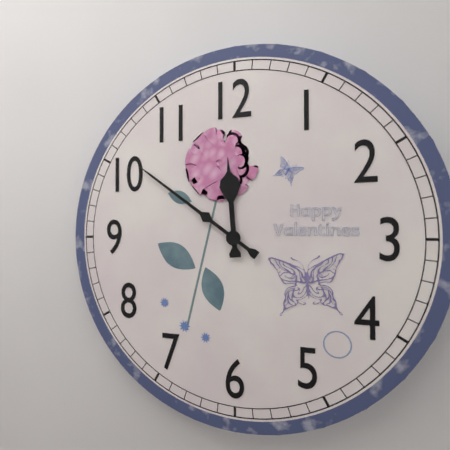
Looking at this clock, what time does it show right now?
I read 11:51
